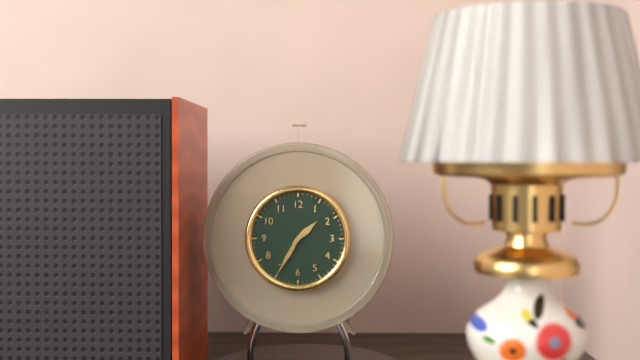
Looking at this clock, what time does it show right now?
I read 1:35
